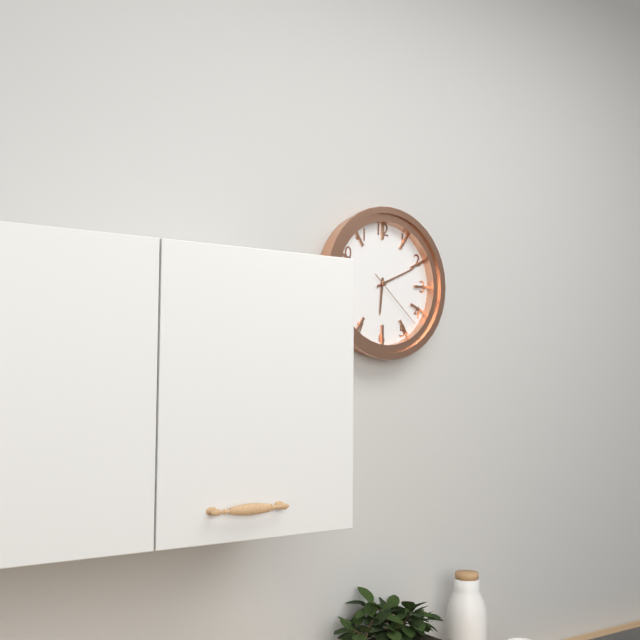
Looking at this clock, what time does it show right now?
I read 6:11:22
